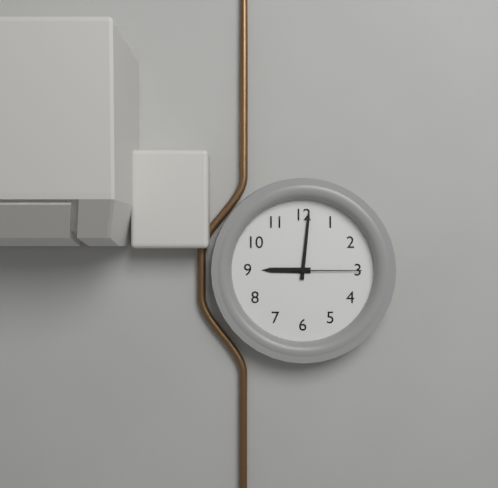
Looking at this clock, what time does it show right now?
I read 9:01:15
